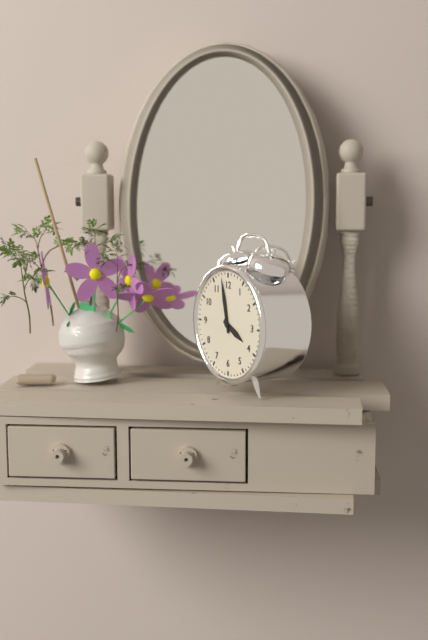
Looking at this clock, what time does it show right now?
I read 3:58
